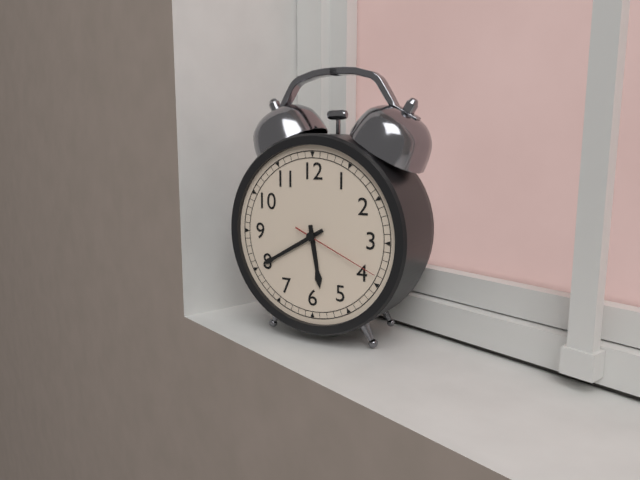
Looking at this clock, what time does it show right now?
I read 5:40:19
